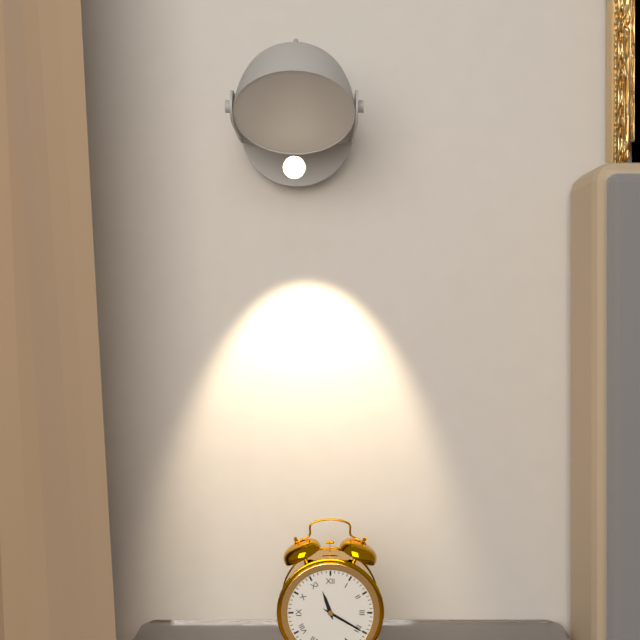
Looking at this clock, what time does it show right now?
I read 11:20
